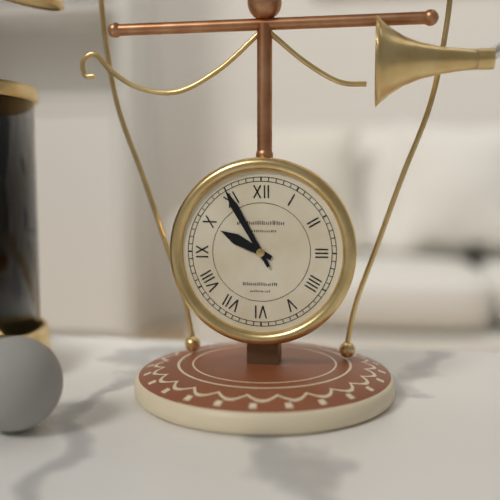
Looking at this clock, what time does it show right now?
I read 9:55
